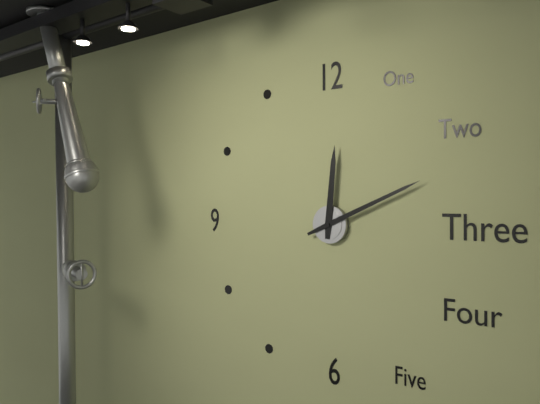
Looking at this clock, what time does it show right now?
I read 12:11
